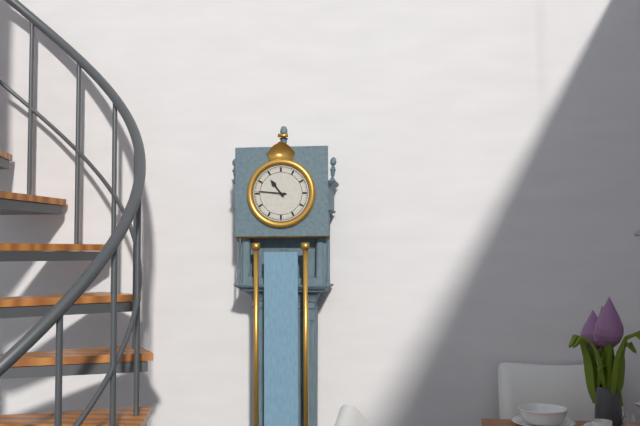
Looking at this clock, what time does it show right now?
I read 10:46
